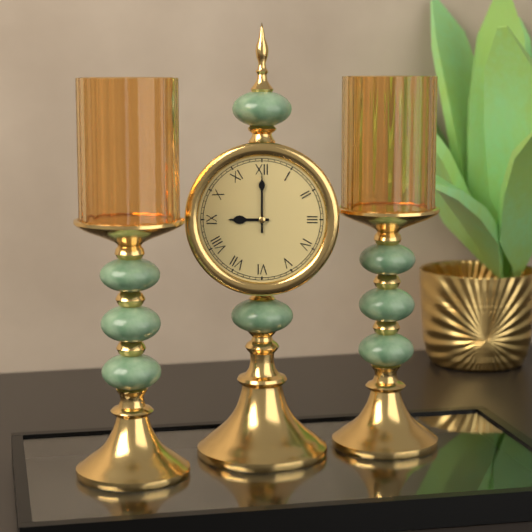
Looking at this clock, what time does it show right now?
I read 9:00
